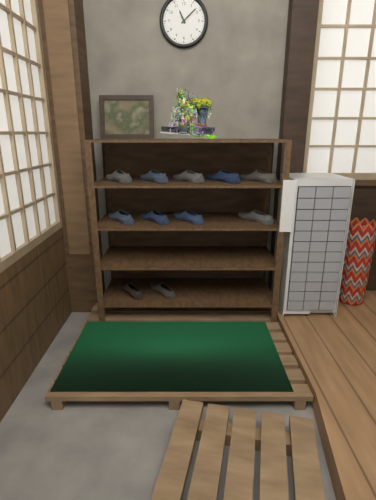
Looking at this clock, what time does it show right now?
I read 11:08
